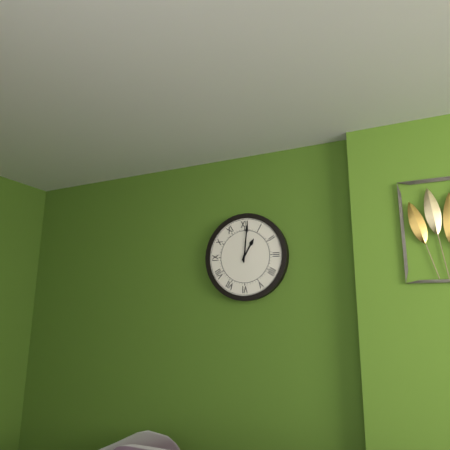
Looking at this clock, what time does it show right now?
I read 1:01
